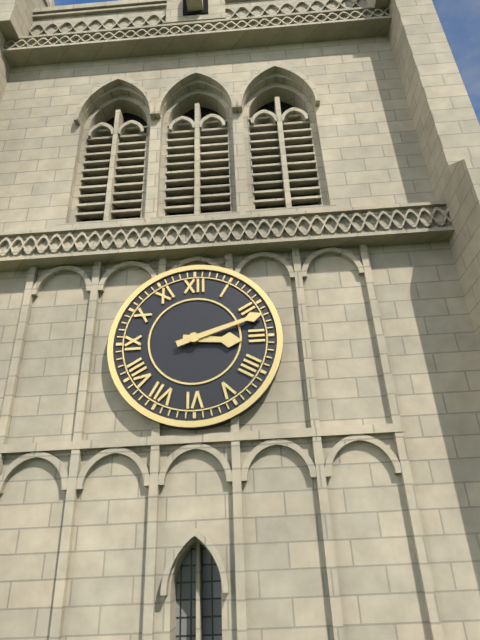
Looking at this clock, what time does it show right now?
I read 3:12
